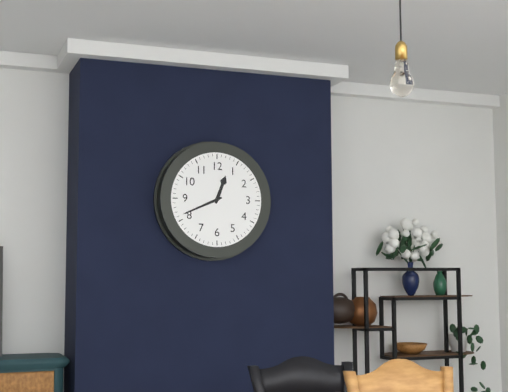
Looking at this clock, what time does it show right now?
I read 12:41
